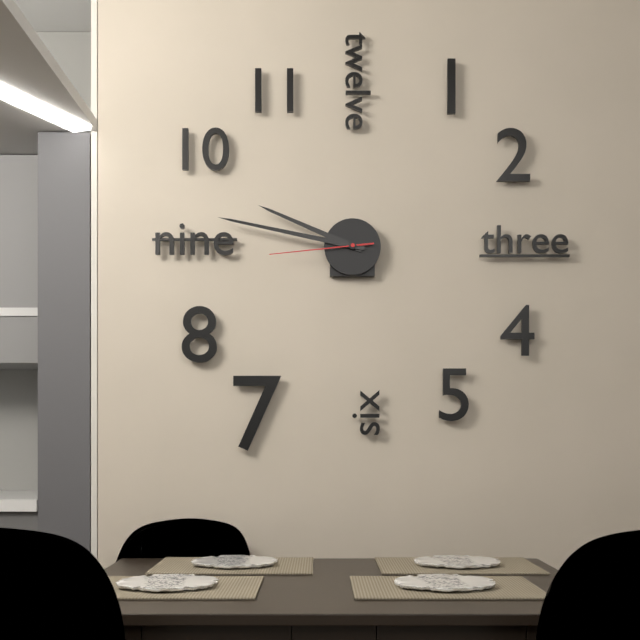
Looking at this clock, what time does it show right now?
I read 9:47:44
